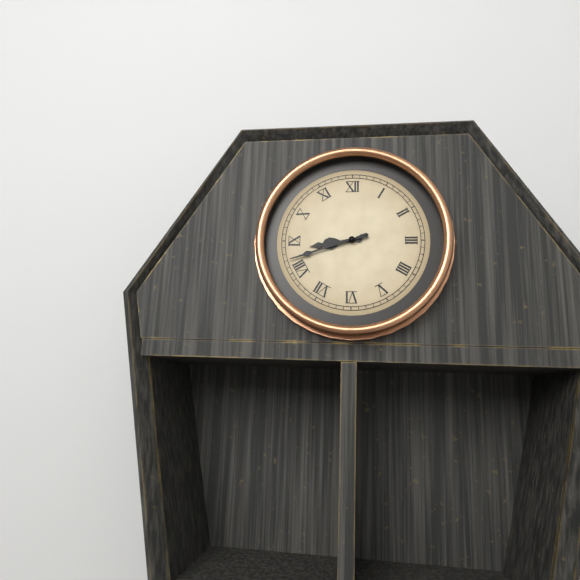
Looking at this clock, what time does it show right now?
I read 8:42
